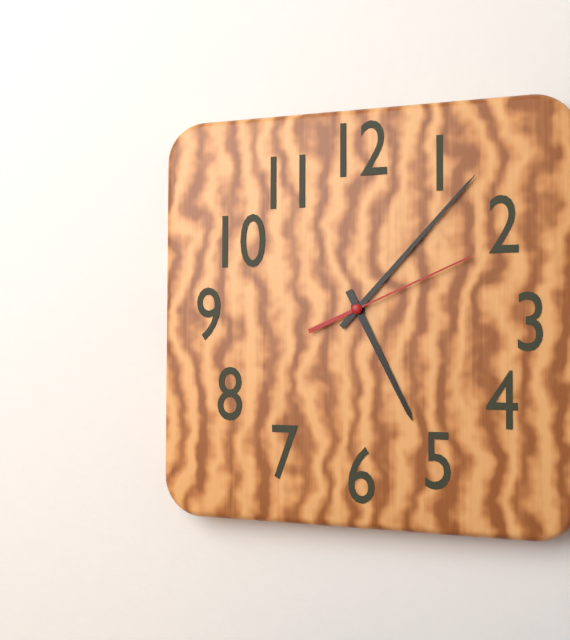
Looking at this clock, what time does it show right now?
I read 5:07:11
